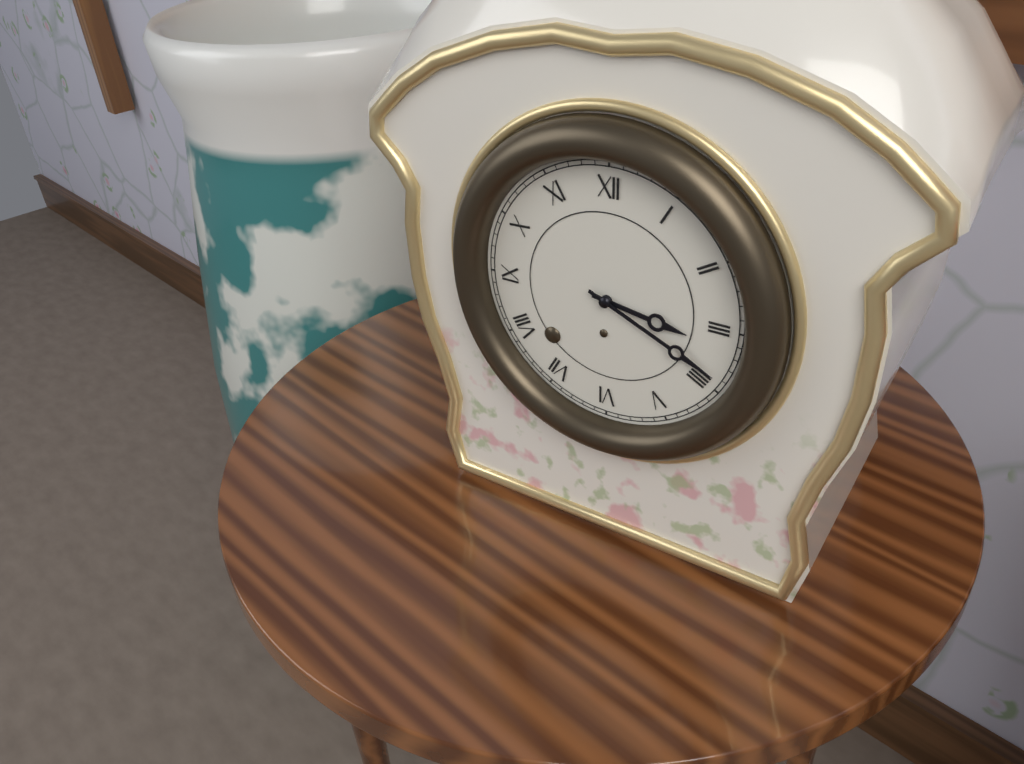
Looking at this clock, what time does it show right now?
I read 3:19
